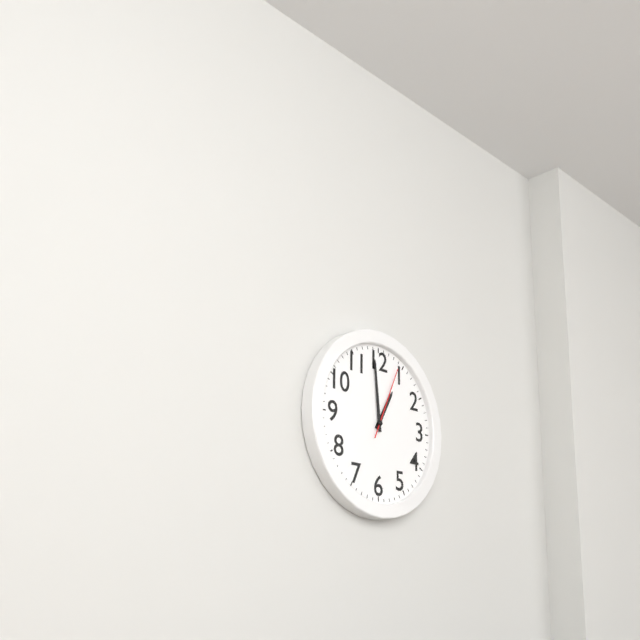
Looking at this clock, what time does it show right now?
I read 12:59:04
